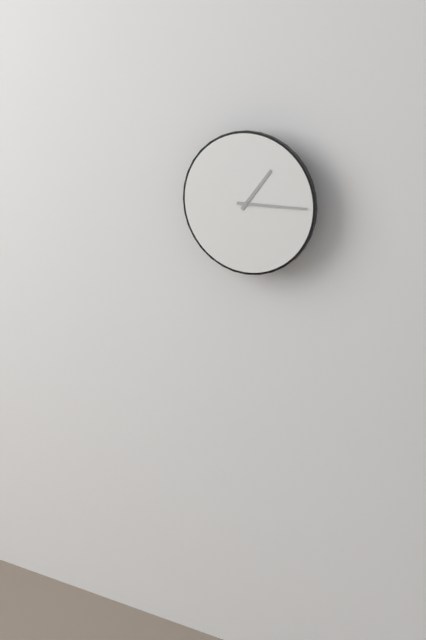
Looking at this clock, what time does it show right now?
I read 1:15
